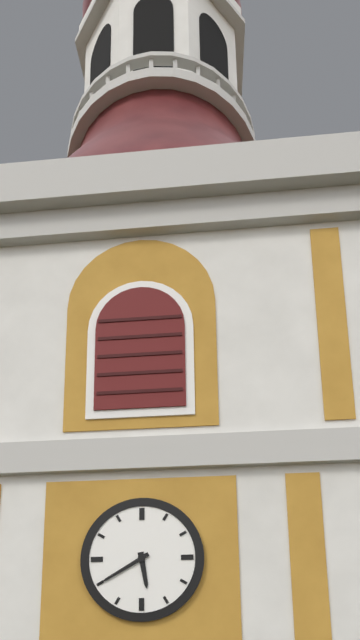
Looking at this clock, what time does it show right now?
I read 5:40
